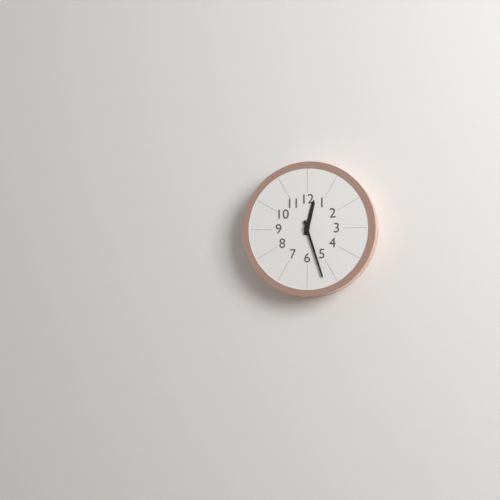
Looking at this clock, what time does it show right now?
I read 12:27
